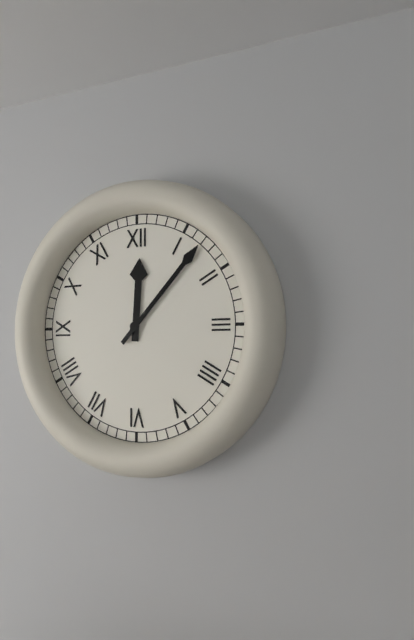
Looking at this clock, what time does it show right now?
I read 12:07
